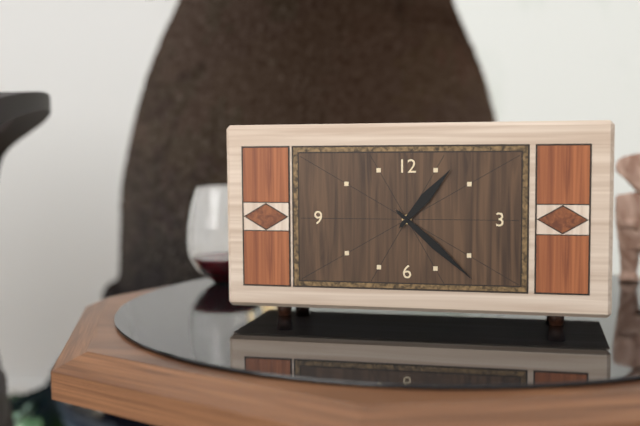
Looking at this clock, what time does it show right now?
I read 1:22
